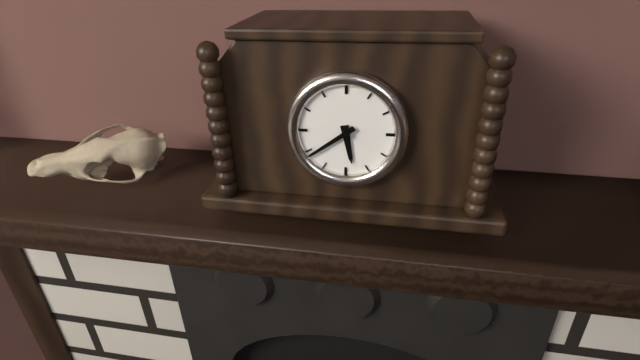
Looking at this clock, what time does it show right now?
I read 5:39
